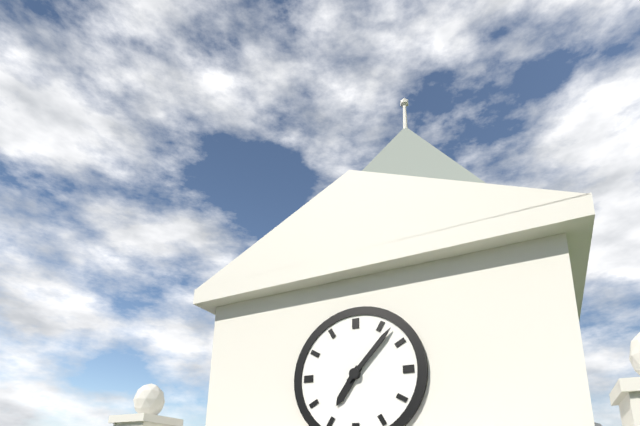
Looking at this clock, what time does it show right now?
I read 7:07
